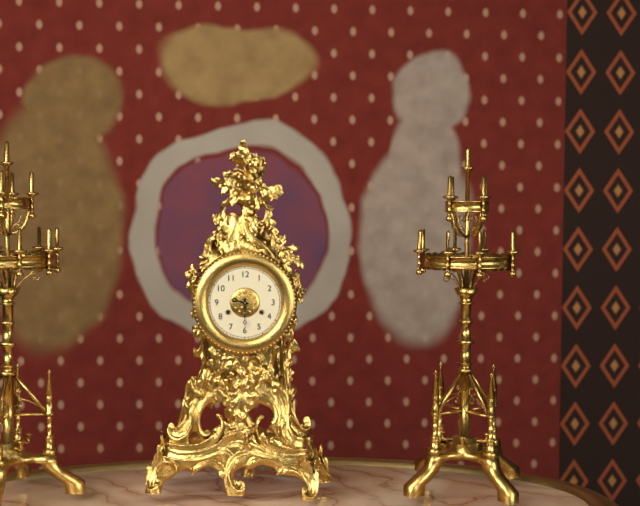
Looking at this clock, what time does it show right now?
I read 9:30
